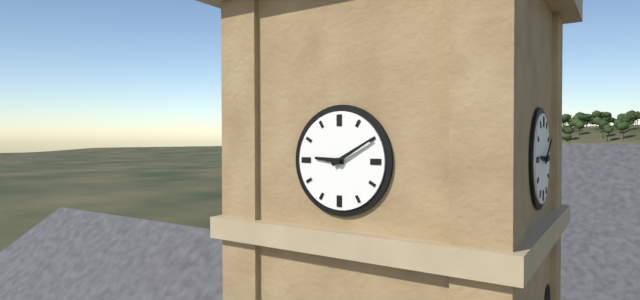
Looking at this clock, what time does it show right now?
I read 9:10
